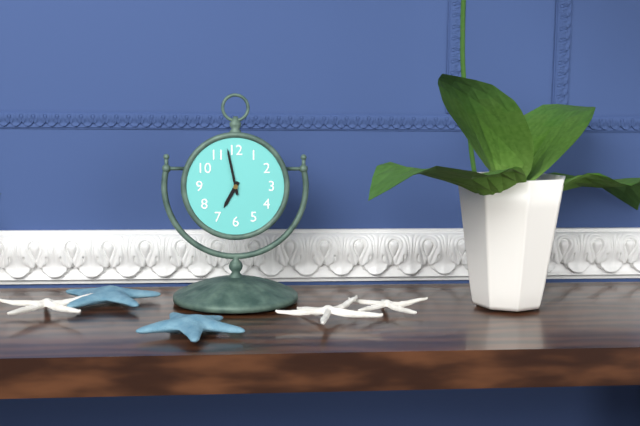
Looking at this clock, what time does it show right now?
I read 6:58
